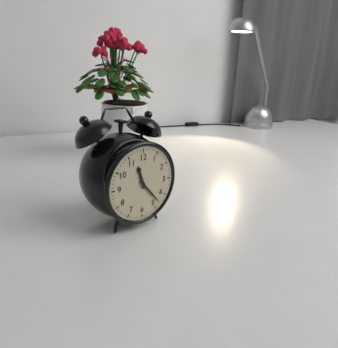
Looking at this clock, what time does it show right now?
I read 11:23
